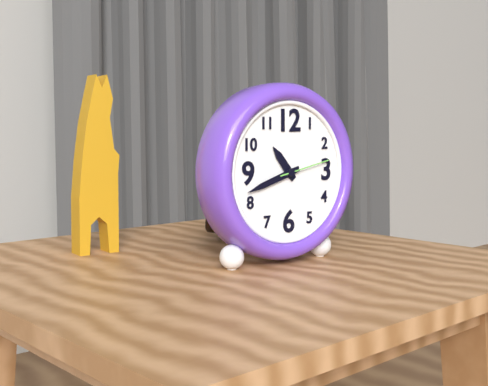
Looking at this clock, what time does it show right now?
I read 10:42
